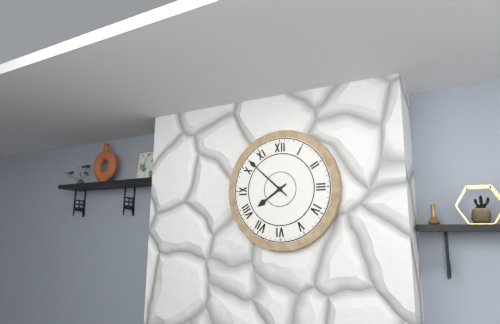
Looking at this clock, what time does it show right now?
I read 7:52
